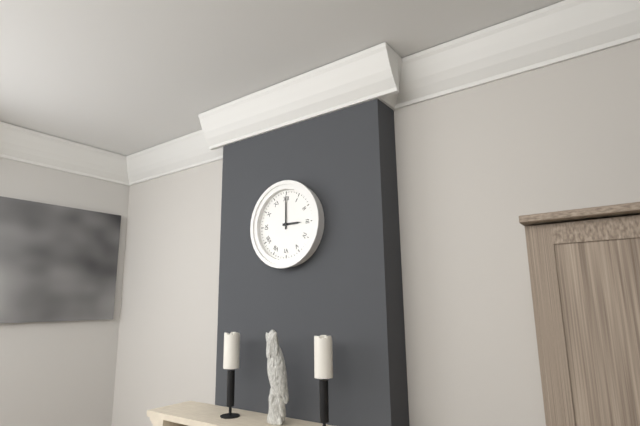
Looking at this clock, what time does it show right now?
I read 3:00
